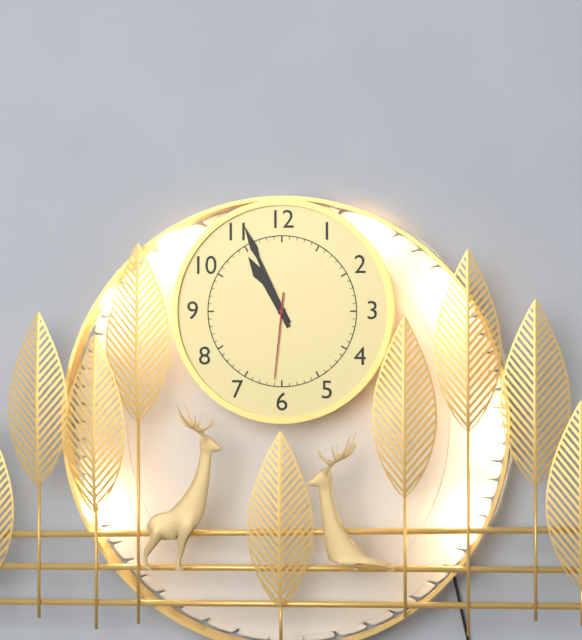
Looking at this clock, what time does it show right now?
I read 10:56:31
